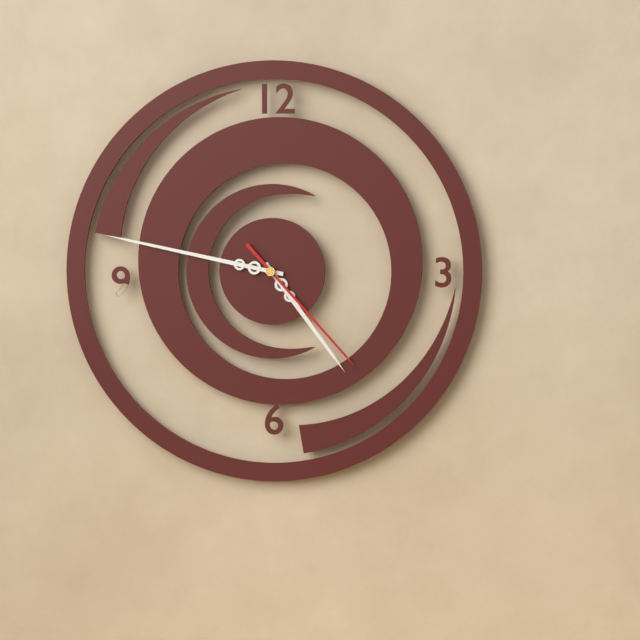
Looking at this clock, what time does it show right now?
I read 4:47:23
